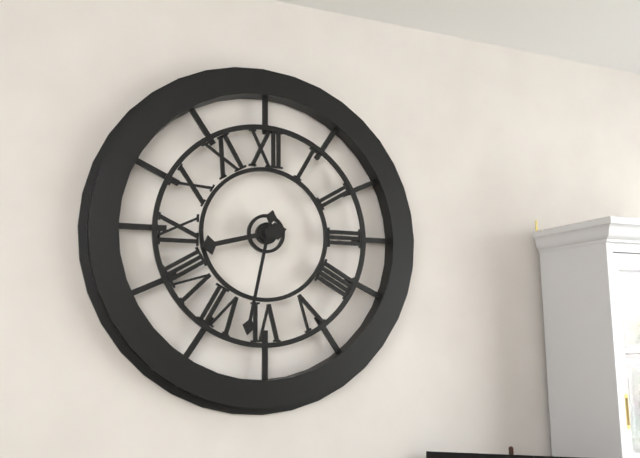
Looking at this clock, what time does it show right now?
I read 8:32
